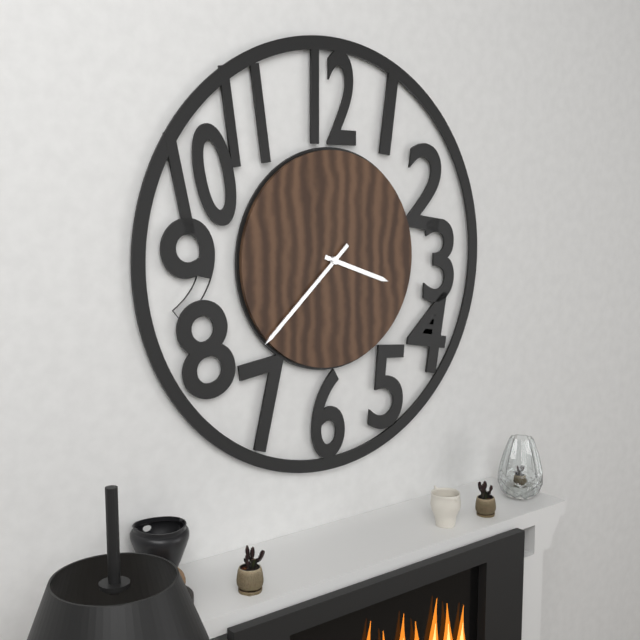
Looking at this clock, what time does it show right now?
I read 3:38
